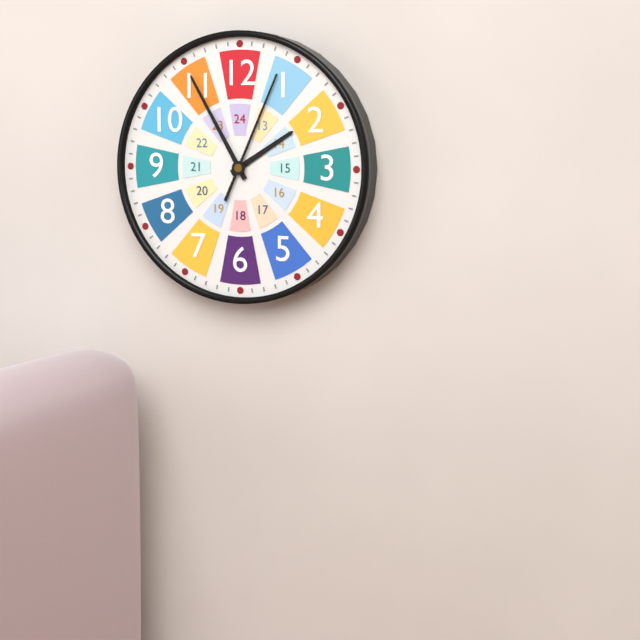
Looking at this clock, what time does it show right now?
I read 1:55:04
